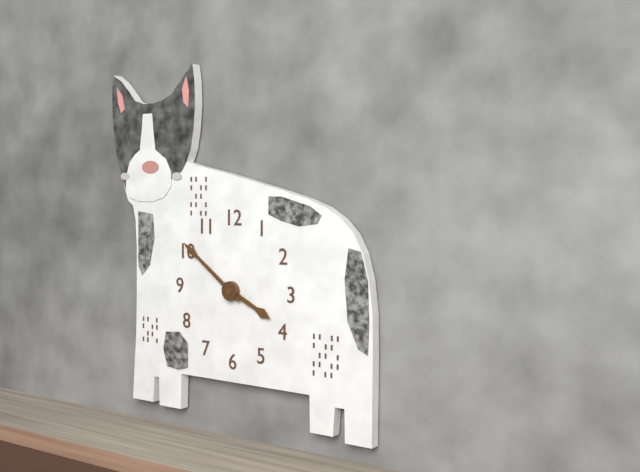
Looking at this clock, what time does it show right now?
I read 3:51
